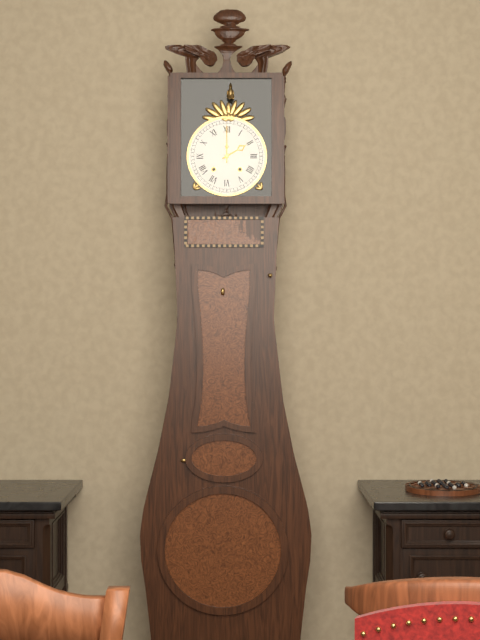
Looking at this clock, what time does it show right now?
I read 2:00
